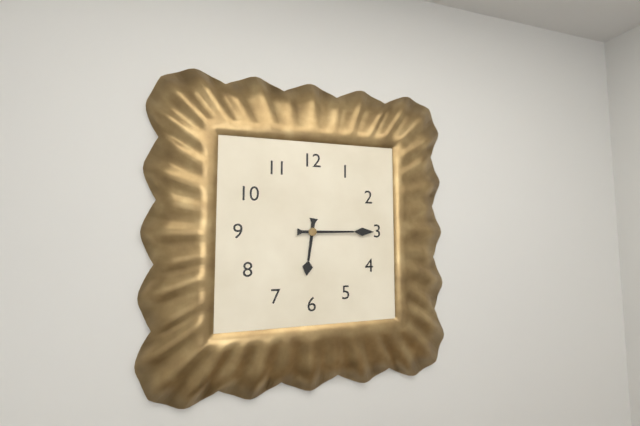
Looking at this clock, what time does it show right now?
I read 6:15
